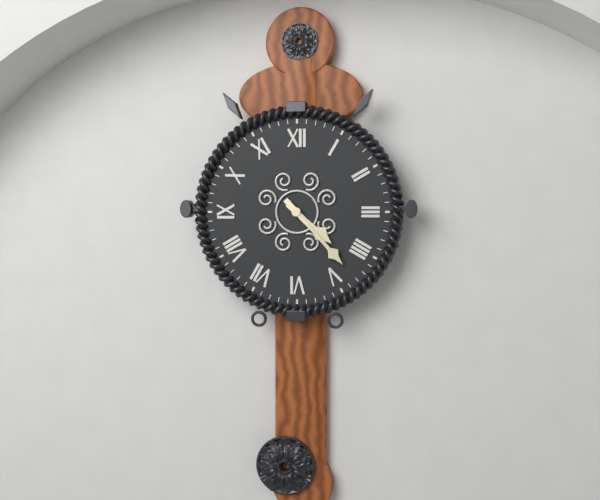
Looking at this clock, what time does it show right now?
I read 4:23
